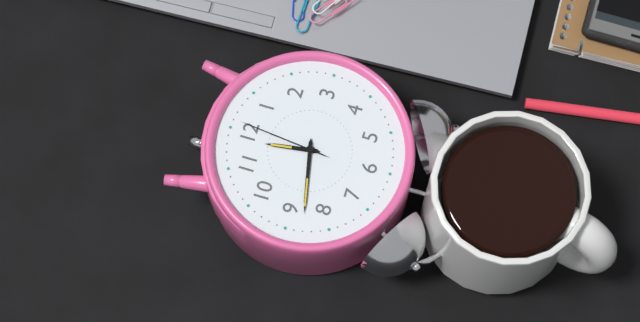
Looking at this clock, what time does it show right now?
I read 11:43:01
